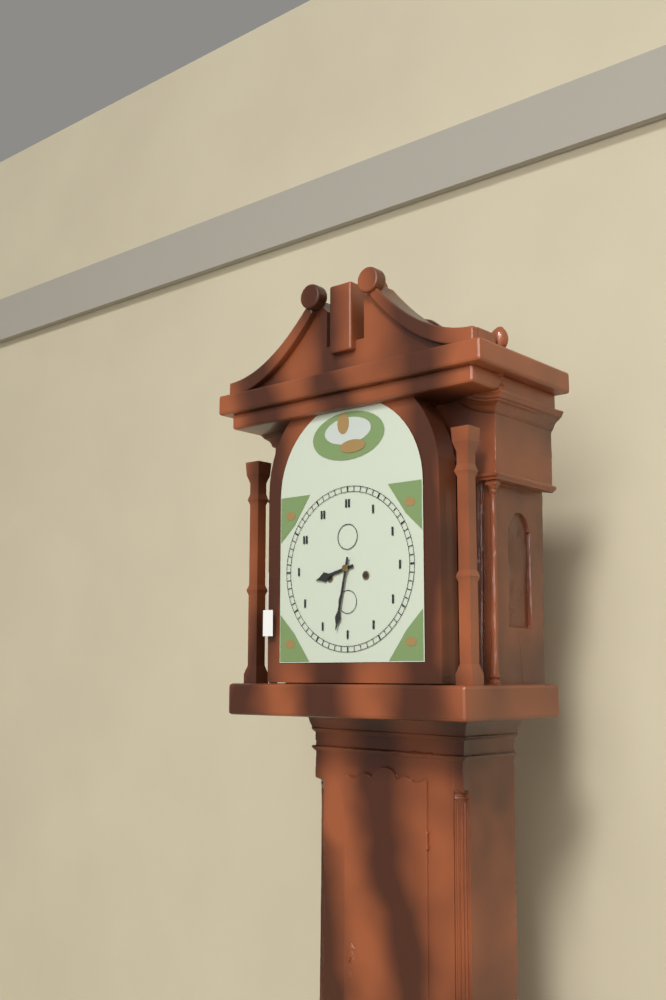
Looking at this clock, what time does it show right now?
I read 8:32
